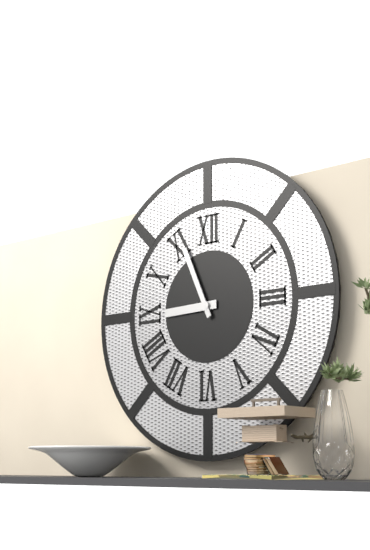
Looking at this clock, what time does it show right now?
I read 8:56
